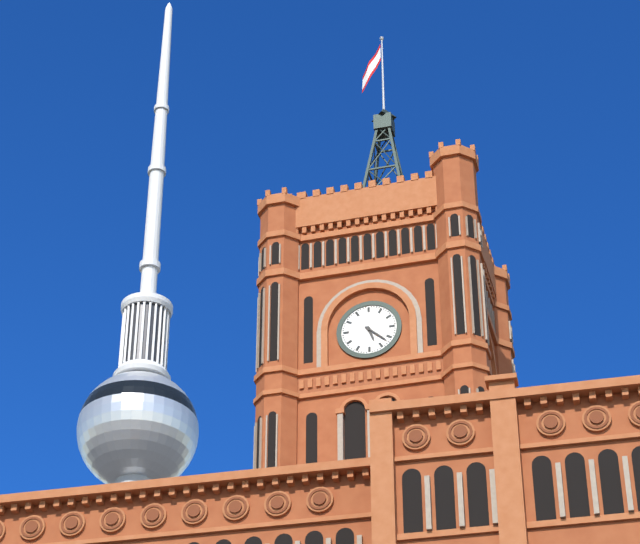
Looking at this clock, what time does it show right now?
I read 5:22
